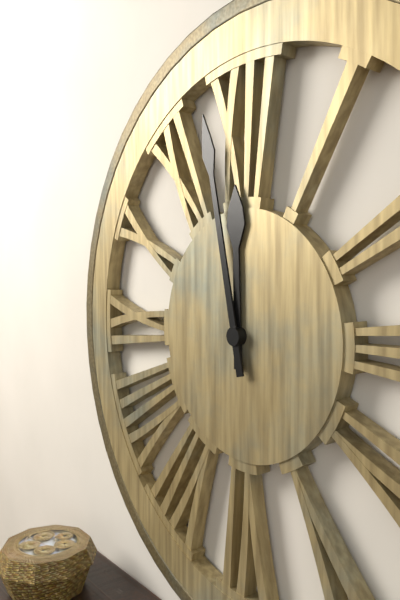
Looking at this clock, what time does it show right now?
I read 11:58
